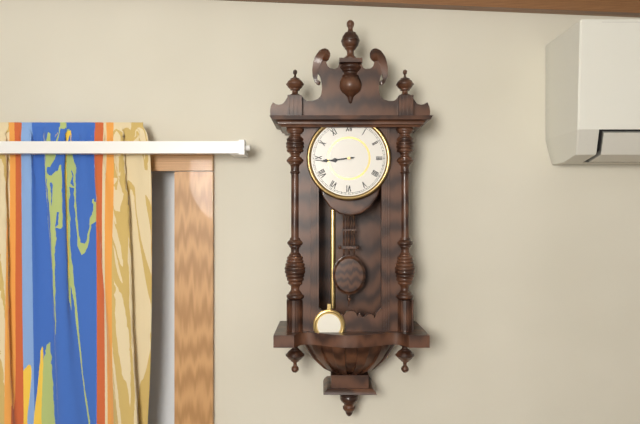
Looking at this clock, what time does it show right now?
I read 8:44
